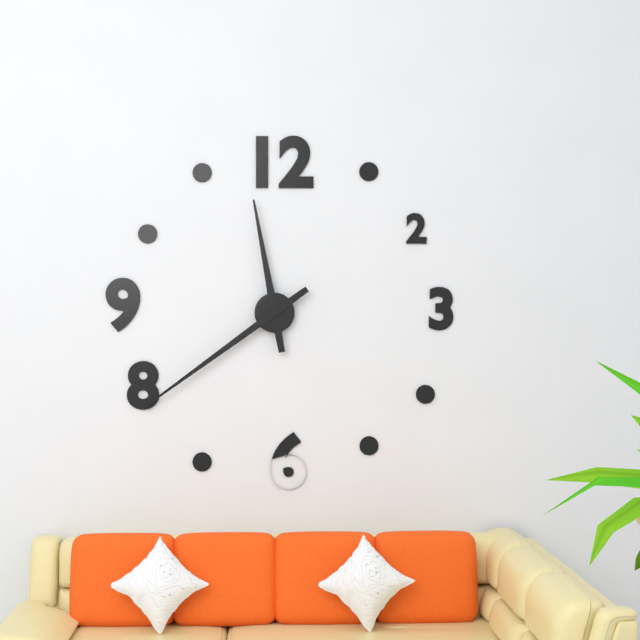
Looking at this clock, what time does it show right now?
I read 11:39
